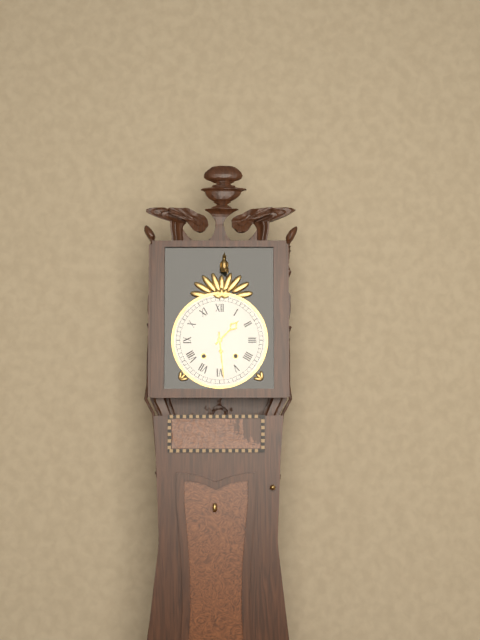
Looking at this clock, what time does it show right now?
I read 1:29
